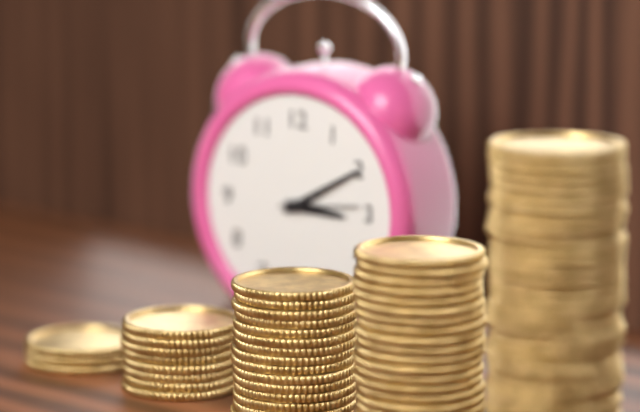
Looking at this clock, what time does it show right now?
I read 3:10:14
